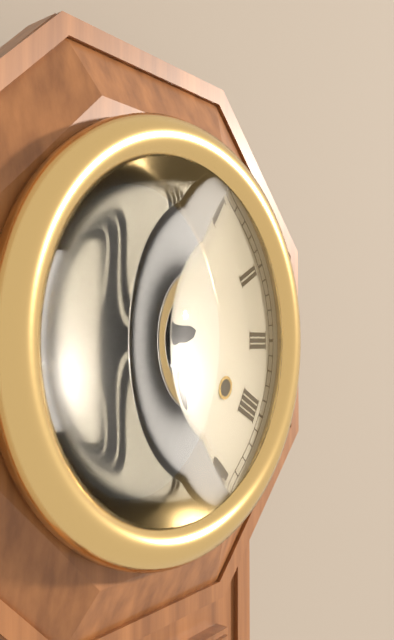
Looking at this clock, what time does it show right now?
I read 8:27
